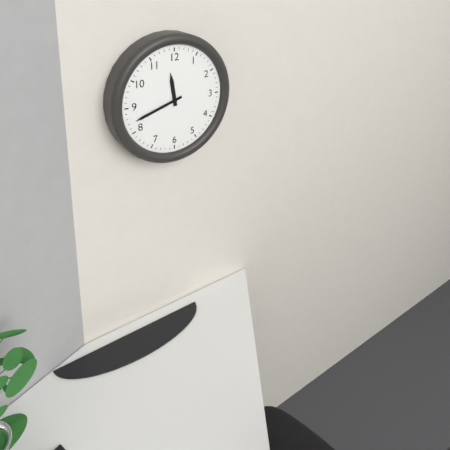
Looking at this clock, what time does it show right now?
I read 11:42
